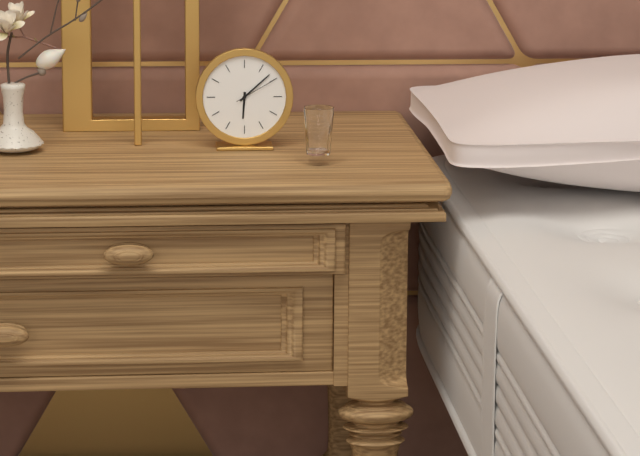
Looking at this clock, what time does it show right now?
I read 6:08
